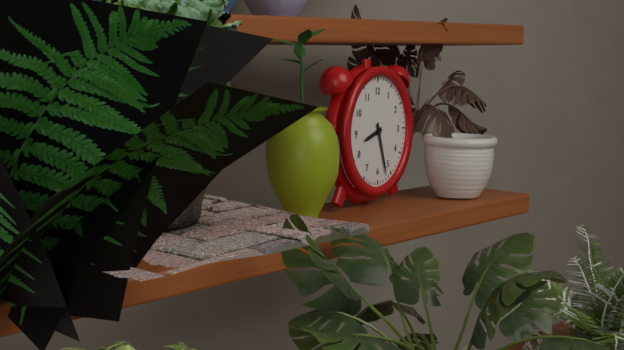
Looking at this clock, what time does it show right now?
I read 8:27
